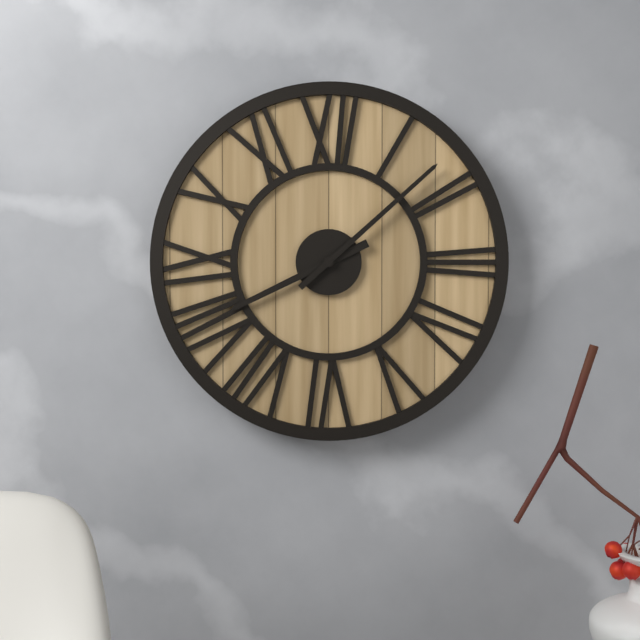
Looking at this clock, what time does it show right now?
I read 8:08
